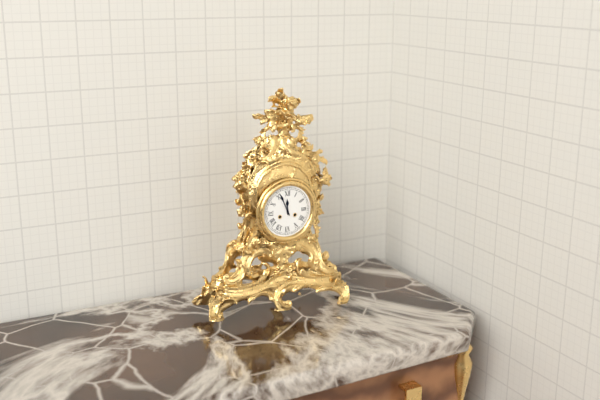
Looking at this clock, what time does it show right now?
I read 11:56
